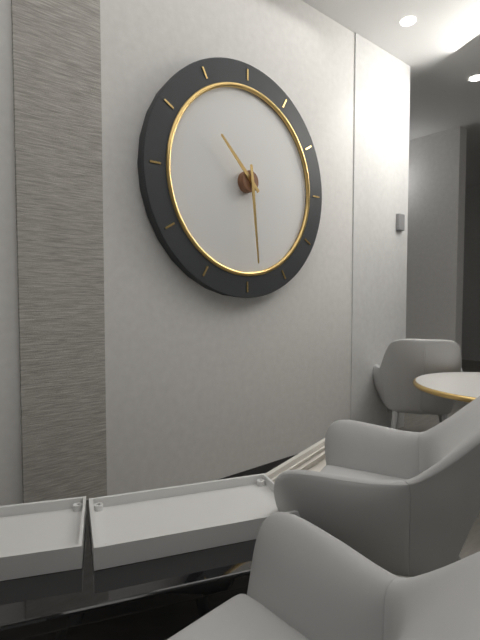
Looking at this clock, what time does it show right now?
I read 10:29
